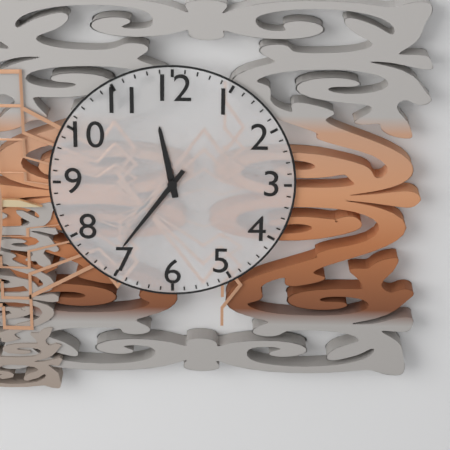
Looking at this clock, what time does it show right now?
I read 11:36
